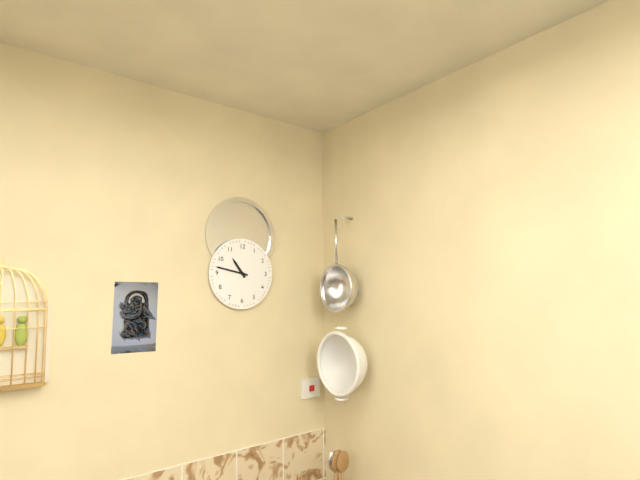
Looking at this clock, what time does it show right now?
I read 10:47
